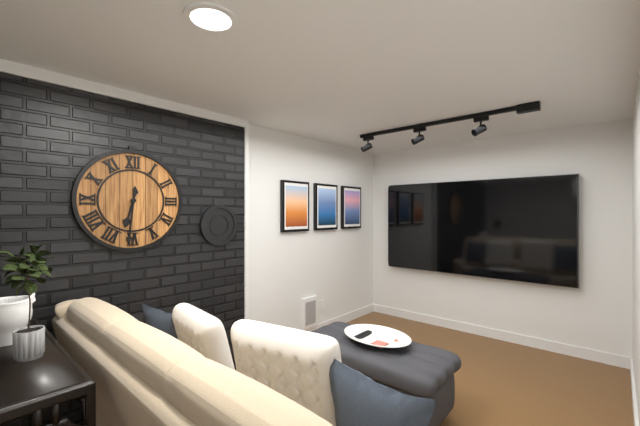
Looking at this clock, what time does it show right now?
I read 6:31
